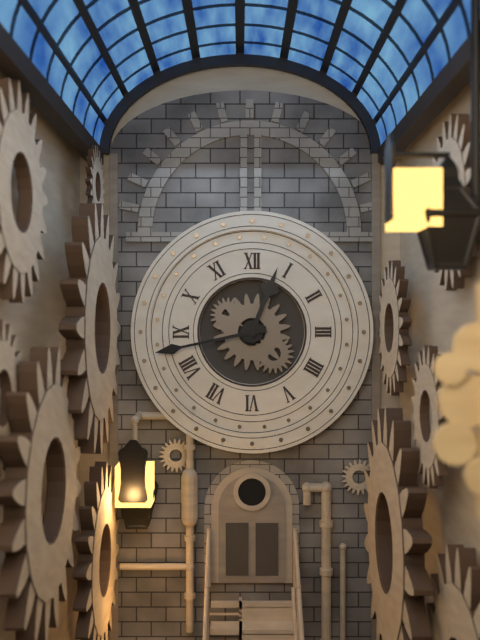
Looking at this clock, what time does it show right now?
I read 12:43
